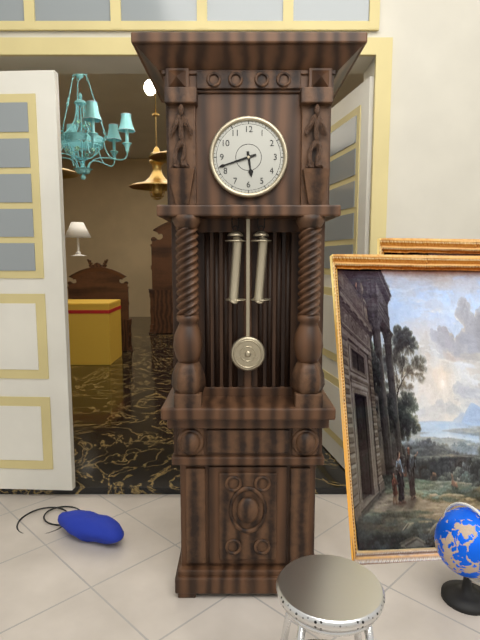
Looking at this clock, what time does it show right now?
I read 5:42
